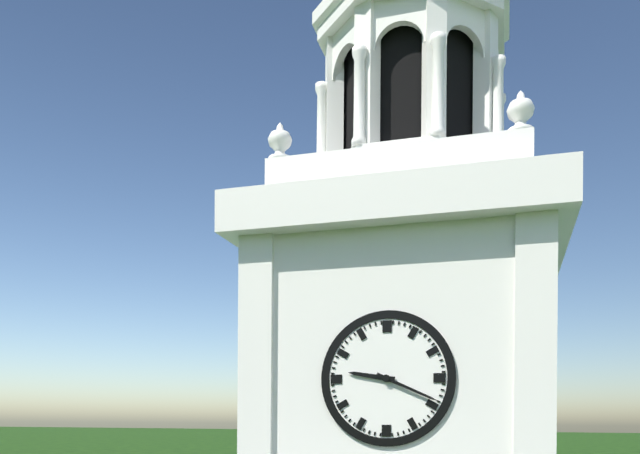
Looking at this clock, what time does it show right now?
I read 9:19
